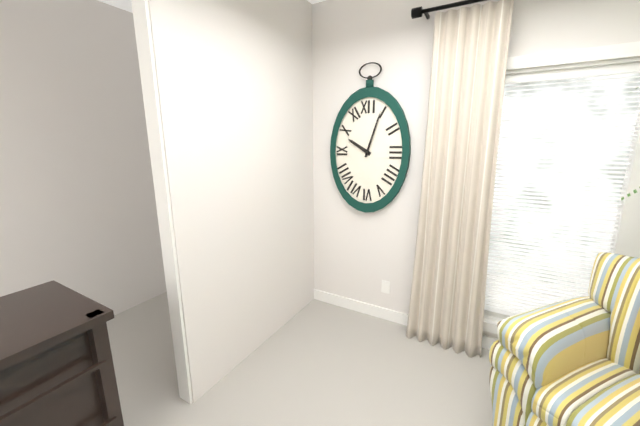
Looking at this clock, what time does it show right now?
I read 10:03
